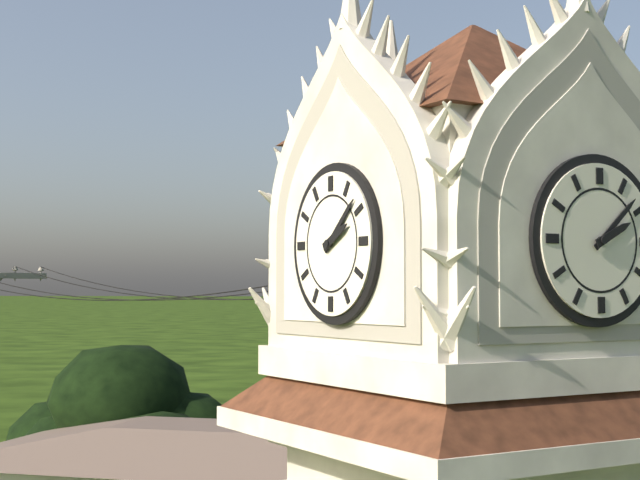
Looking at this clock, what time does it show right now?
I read 2:08
